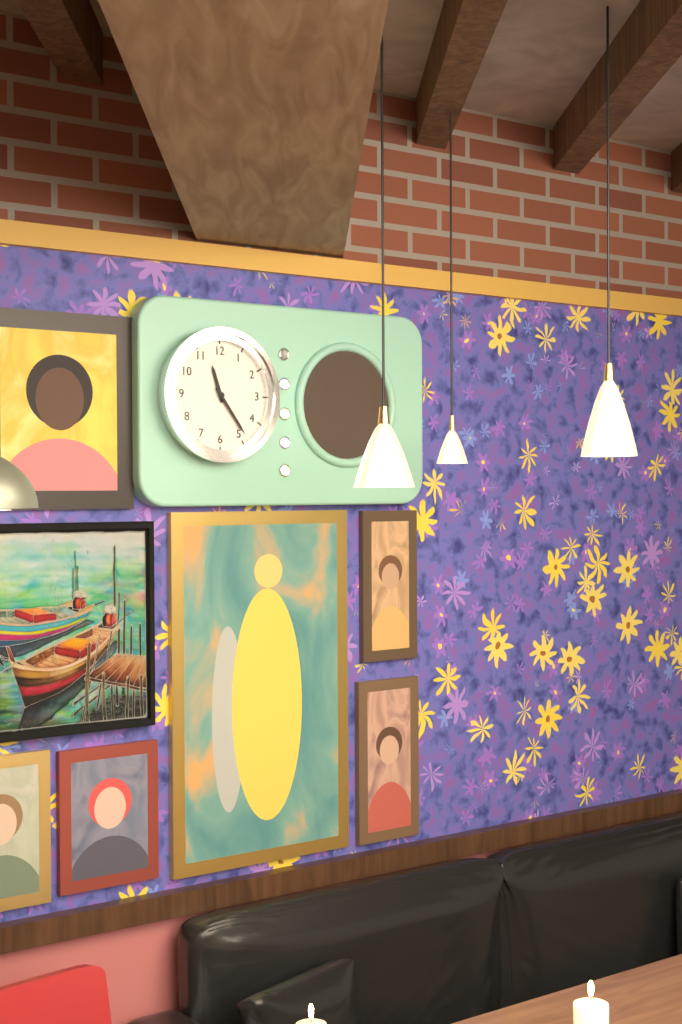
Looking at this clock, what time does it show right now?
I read 11:24
